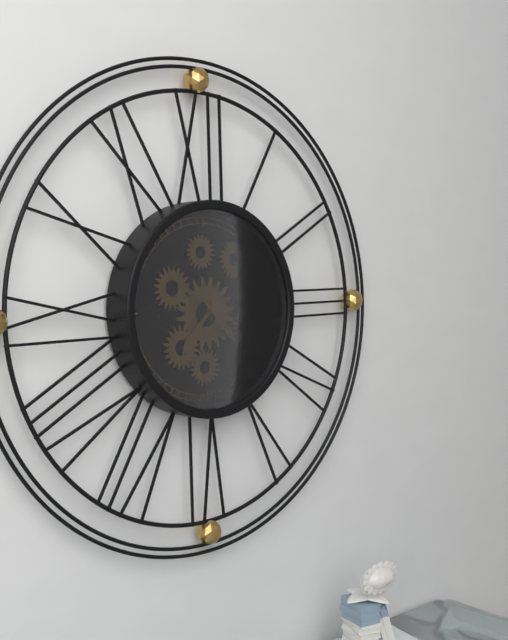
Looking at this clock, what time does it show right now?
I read 7:23
